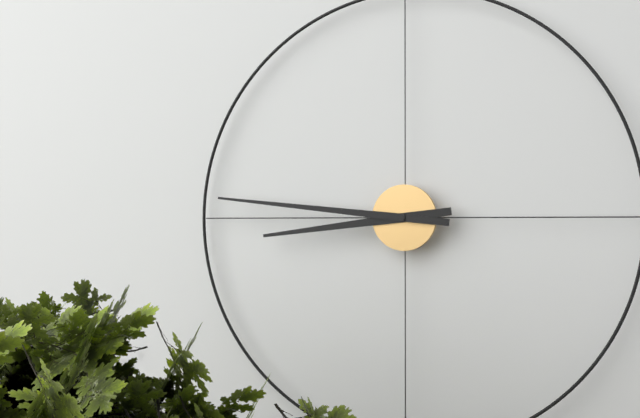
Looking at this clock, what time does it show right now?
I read 8:46
